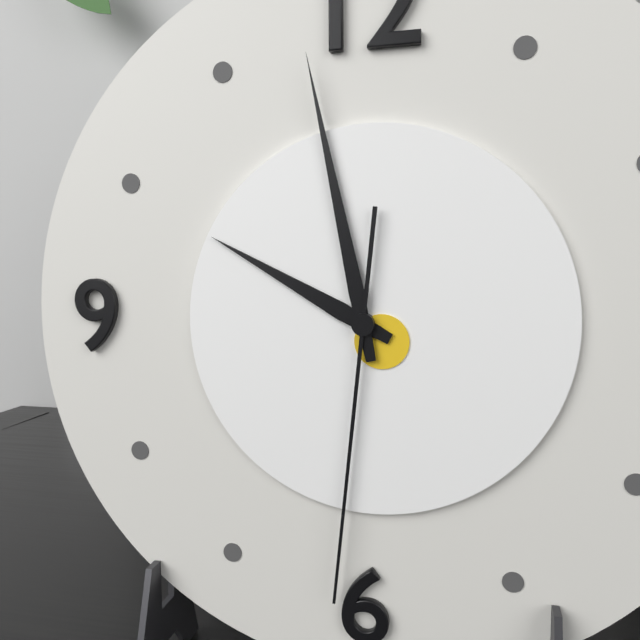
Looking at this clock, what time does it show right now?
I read 9:58:31
